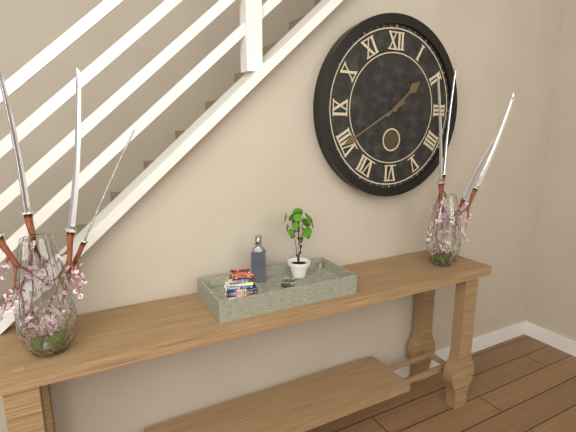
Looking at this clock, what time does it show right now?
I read 1:40
